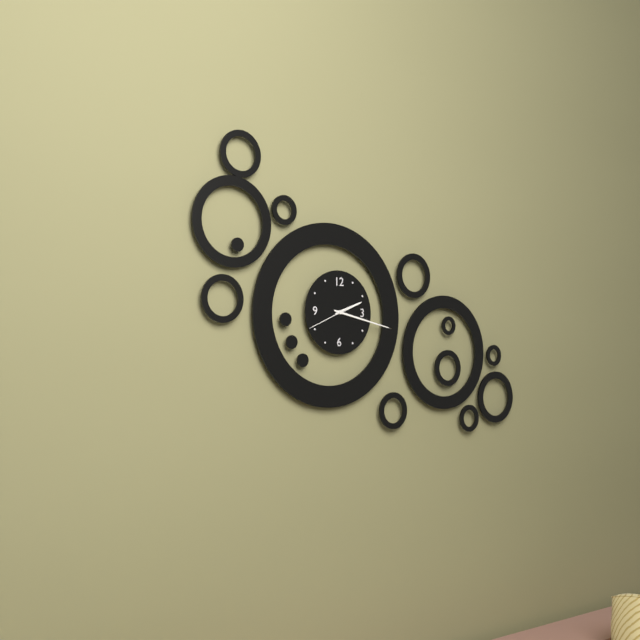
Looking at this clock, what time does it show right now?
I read 2:17
